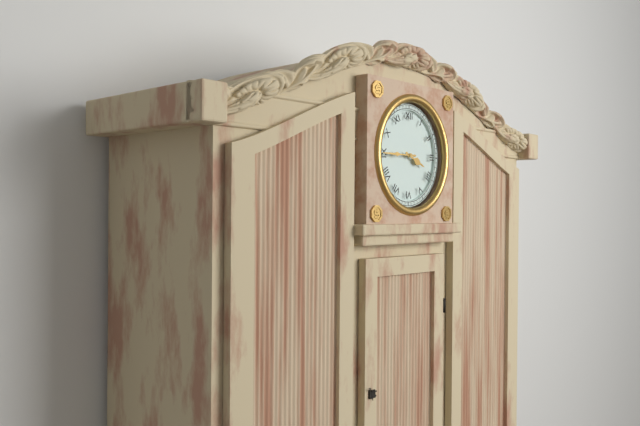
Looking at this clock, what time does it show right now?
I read 3:45
